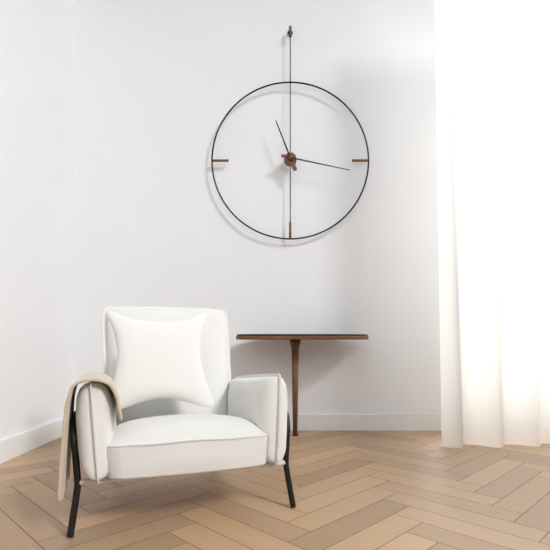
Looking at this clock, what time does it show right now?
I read 11:17
